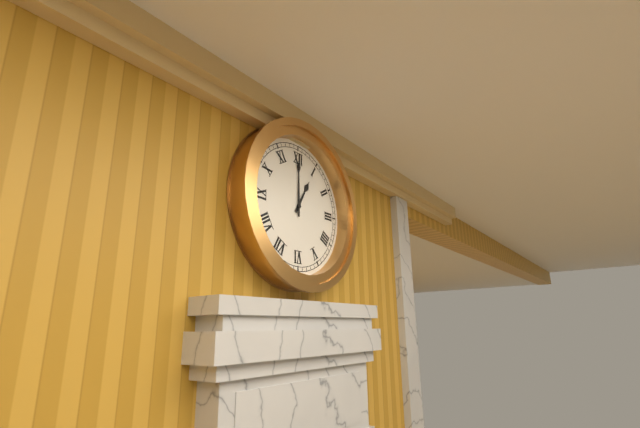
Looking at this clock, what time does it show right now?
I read 1:00
